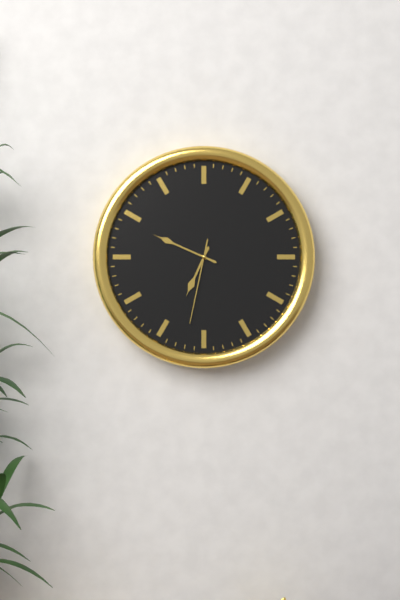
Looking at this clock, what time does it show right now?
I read 6:49:32
